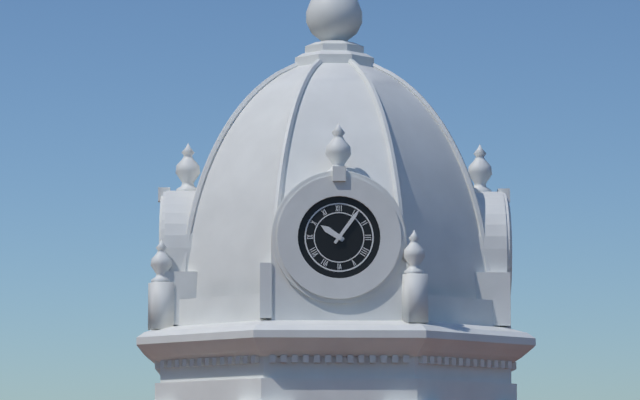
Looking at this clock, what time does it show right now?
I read 10:06
